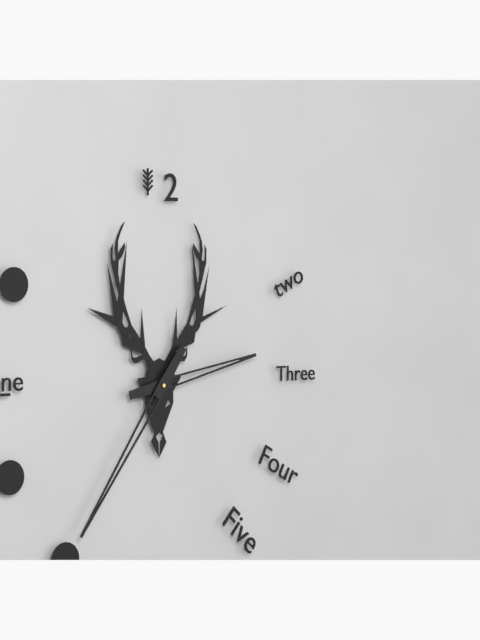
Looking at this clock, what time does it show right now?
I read 2:36
